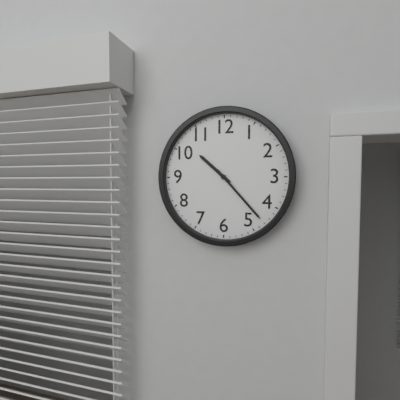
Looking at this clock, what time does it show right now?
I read 10:23
